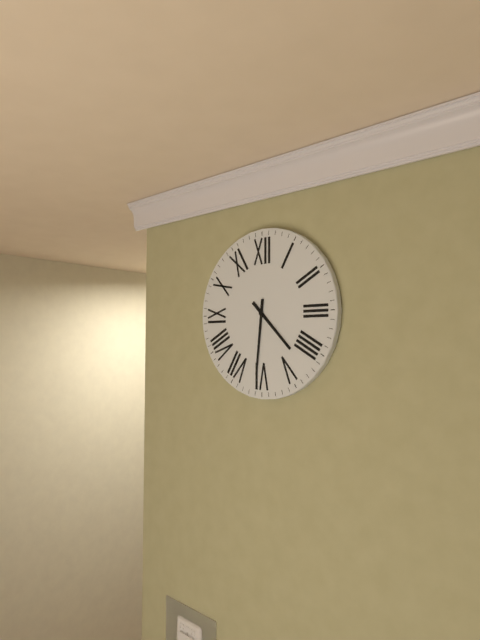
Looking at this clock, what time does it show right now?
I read 4:31
